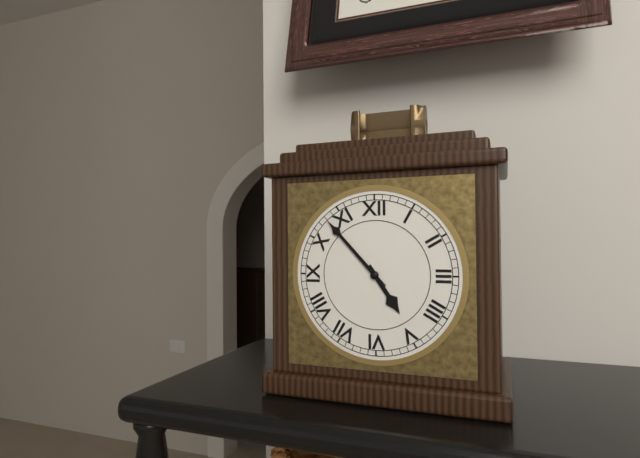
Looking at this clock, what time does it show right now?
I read 4:53
